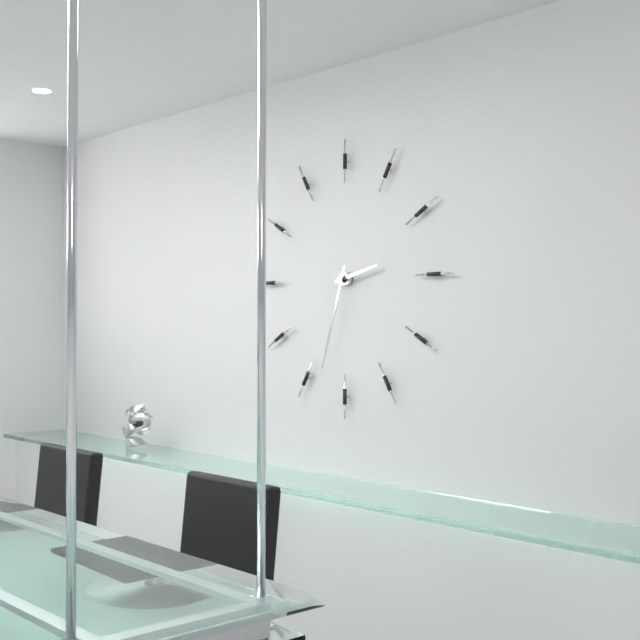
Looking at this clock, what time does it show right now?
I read 2:33
